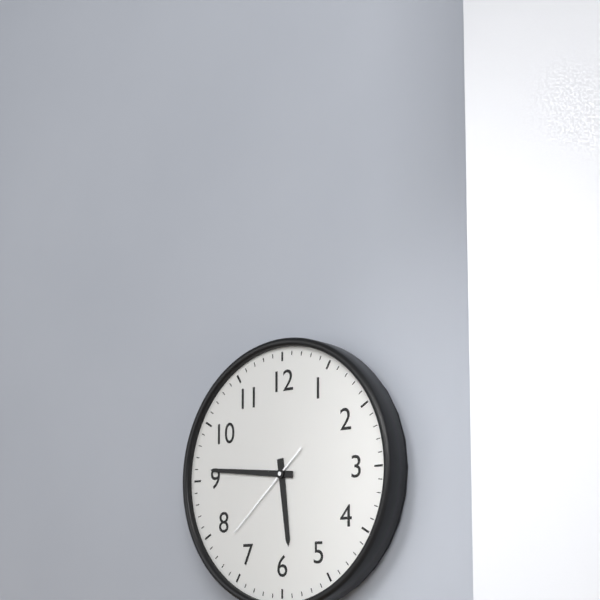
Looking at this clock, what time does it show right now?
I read 5:46:38
